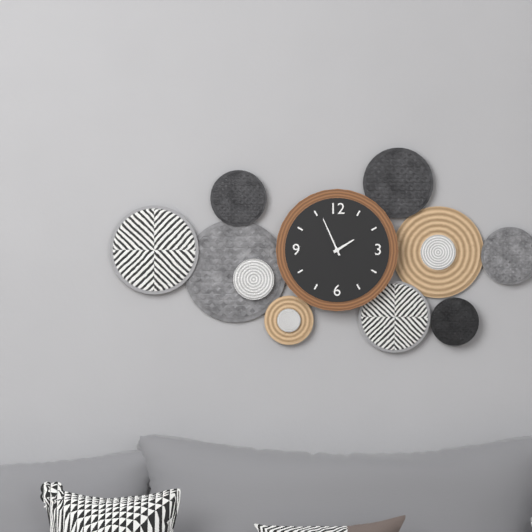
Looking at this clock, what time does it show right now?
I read 1:56
